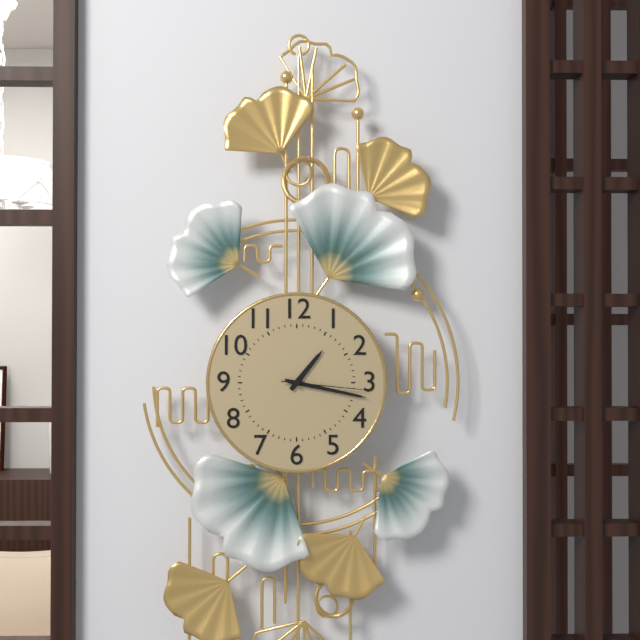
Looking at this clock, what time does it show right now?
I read 1:17:16
